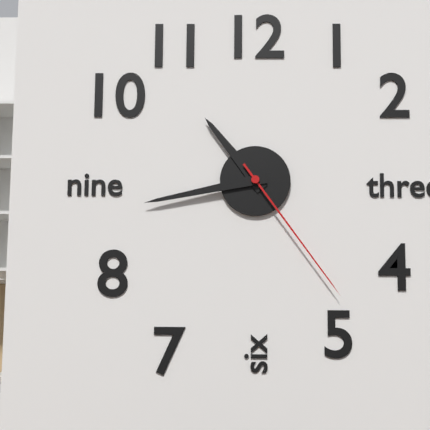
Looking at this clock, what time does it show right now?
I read 10:43:24
